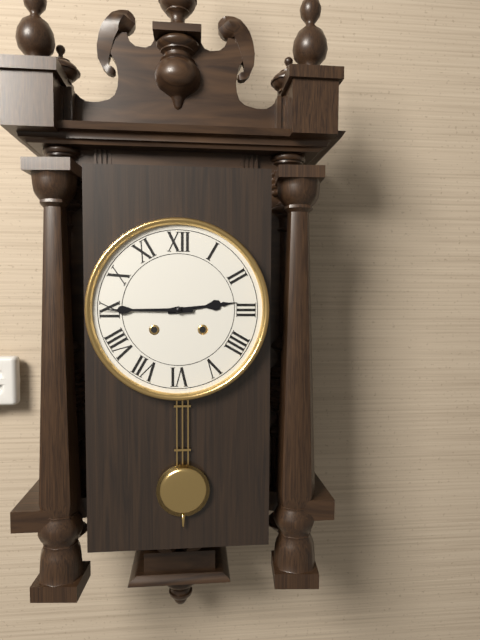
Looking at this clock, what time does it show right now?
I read 2:45
